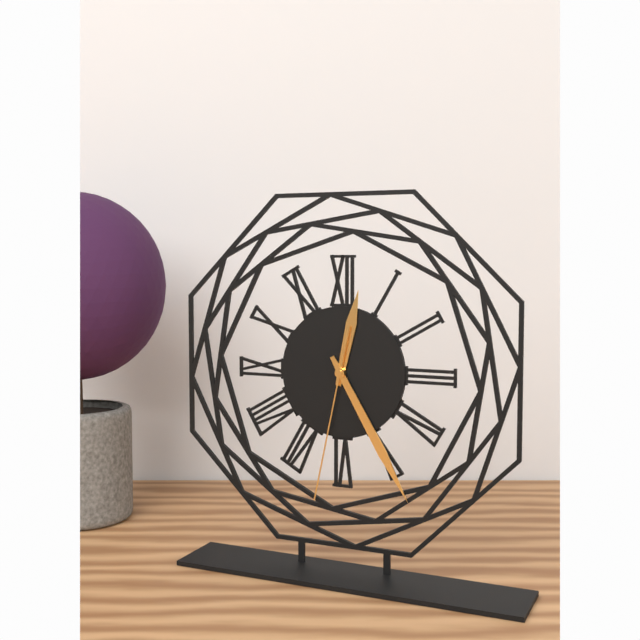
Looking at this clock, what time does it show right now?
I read 12:25:32
